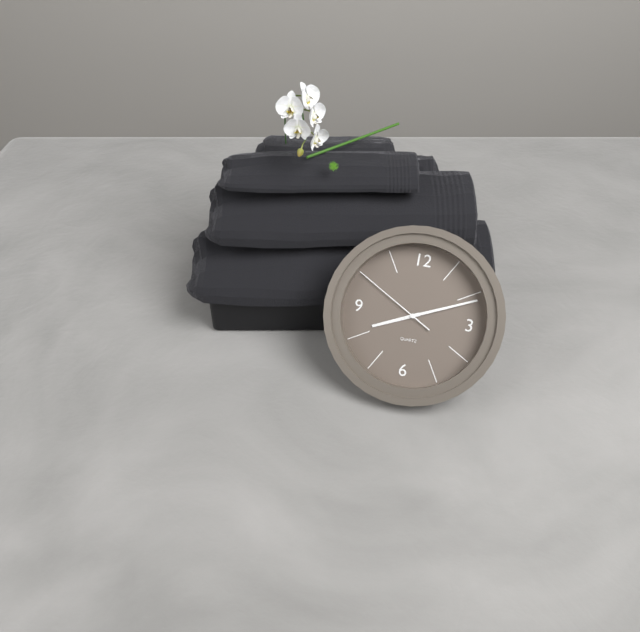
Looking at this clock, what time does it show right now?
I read 8:11:50
